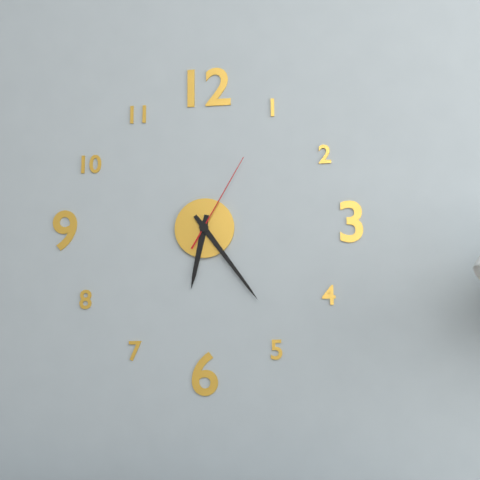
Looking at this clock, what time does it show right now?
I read 6:24:05
